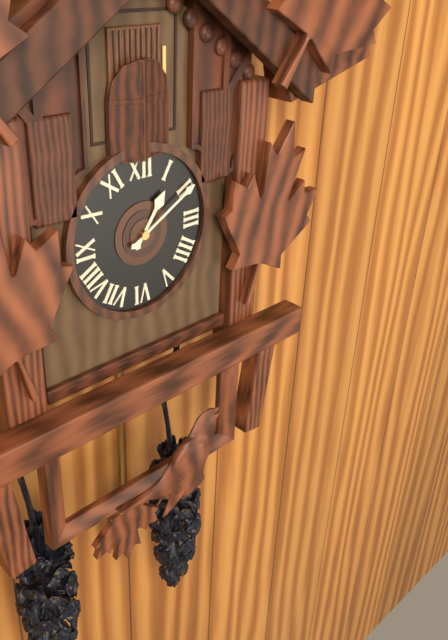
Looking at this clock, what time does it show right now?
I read 1:10
